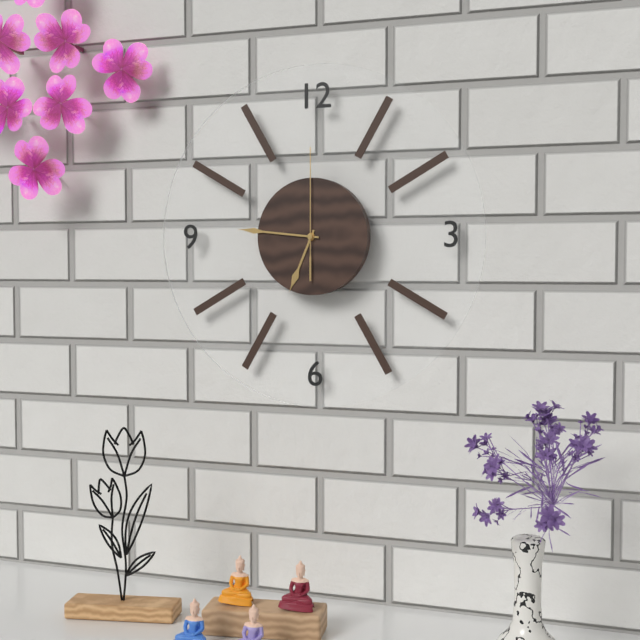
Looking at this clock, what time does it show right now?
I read 6:46:00
